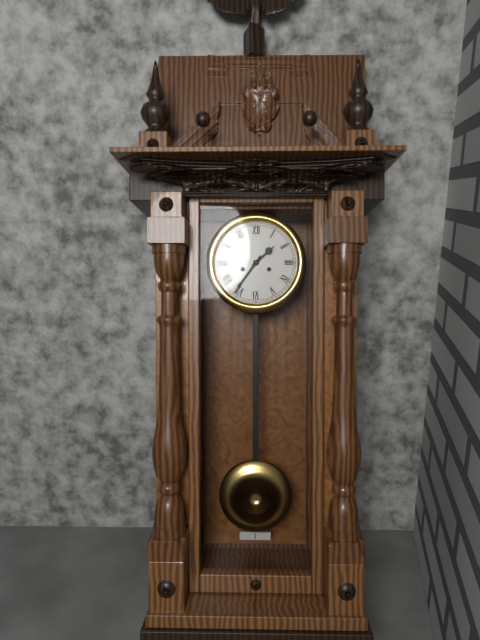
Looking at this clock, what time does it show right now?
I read 1:36
